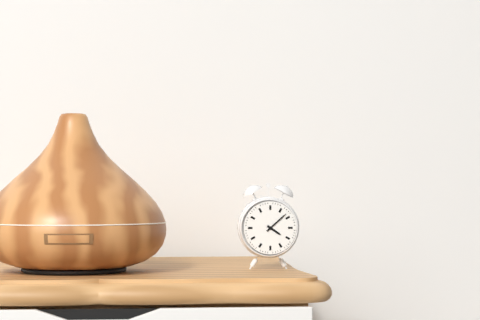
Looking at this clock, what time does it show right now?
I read 4:08
